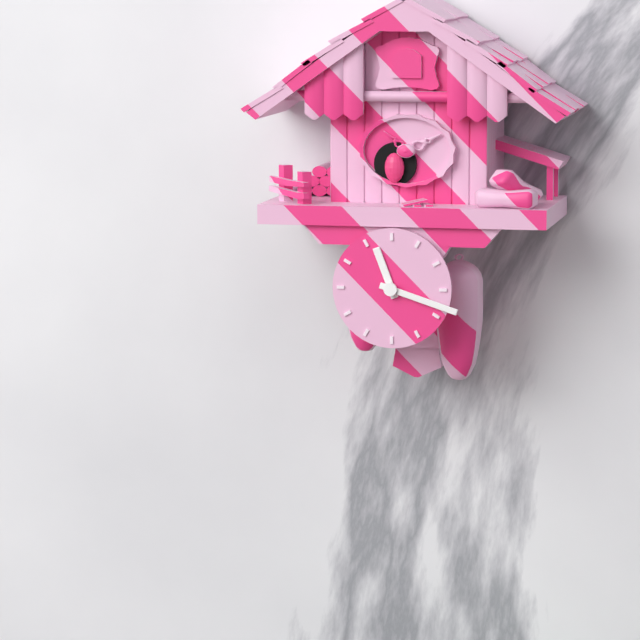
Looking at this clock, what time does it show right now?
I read 11:18
